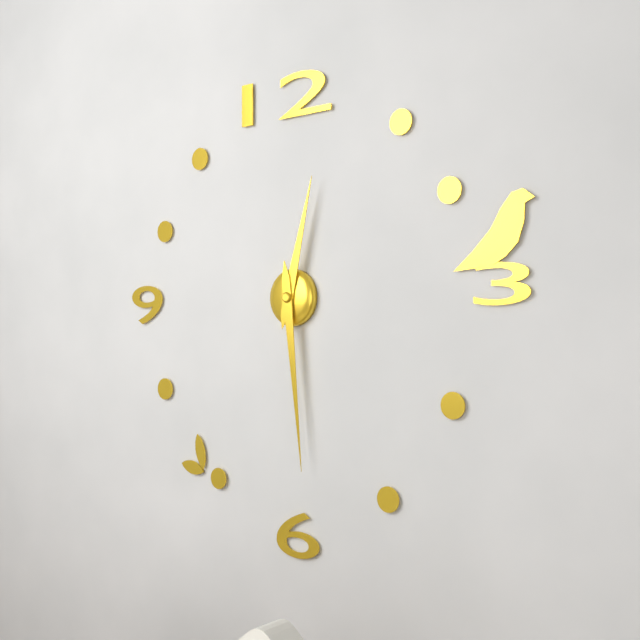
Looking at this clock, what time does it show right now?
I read 12:29
